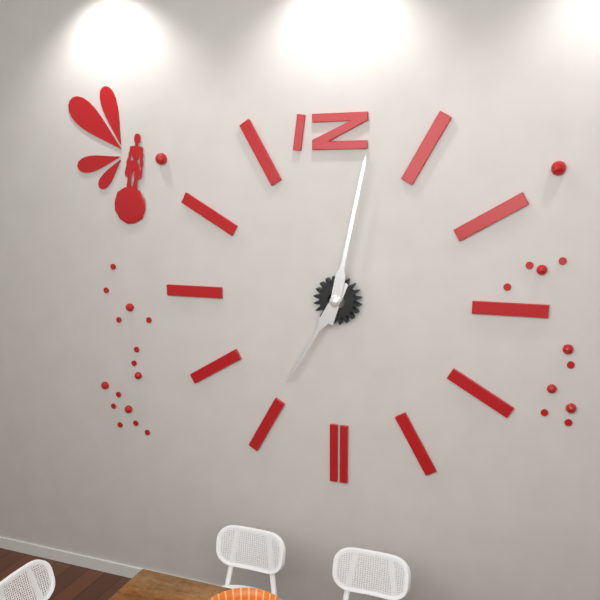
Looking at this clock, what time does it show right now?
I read 7:02
